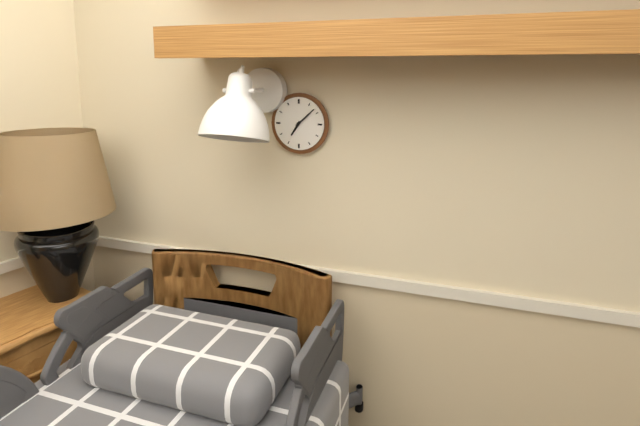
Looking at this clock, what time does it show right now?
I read 7:08
